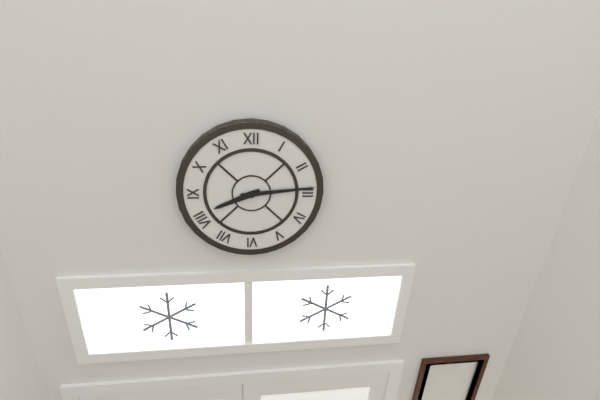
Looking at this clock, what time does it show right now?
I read 8:14
